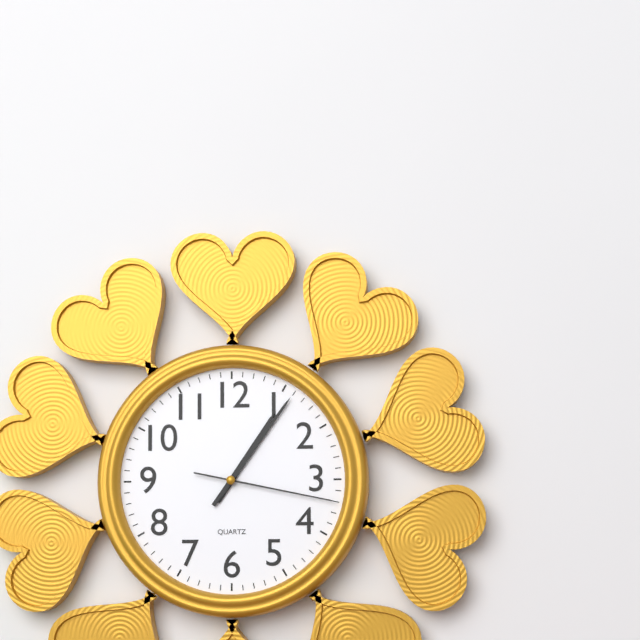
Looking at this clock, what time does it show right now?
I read 1:06:17
